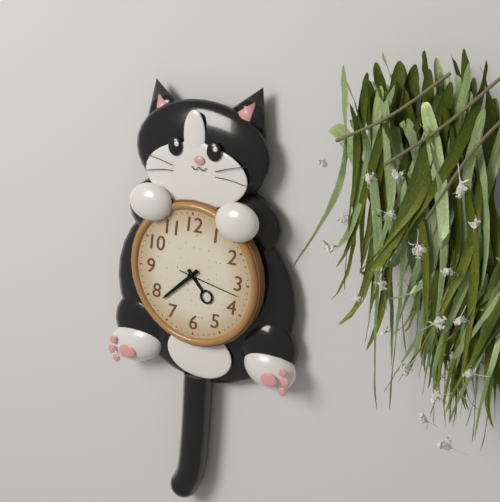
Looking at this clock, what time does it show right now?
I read 4:38:17
